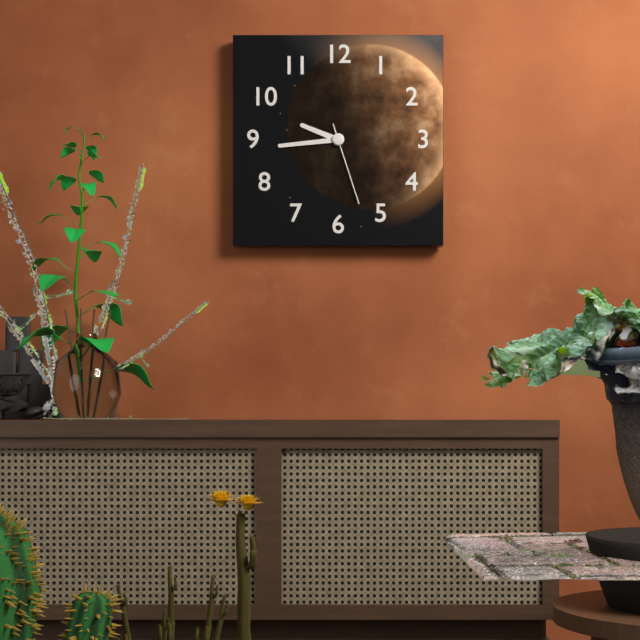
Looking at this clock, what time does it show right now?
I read 9:44:27
